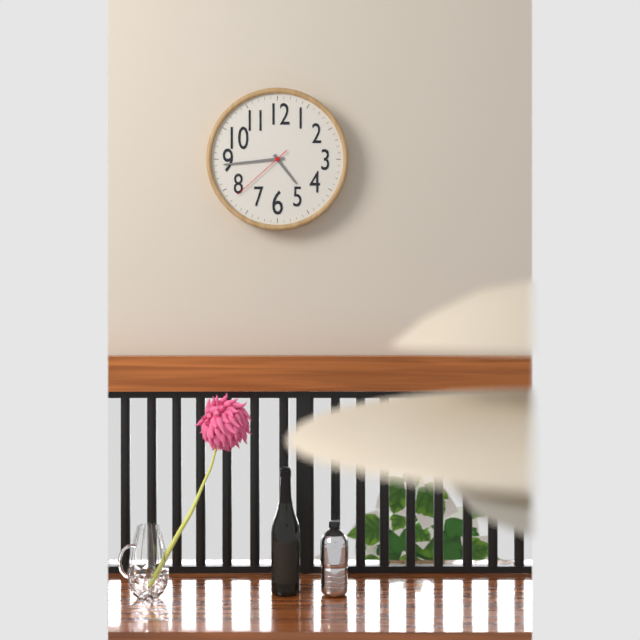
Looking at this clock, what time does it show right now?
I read 4:44:38
